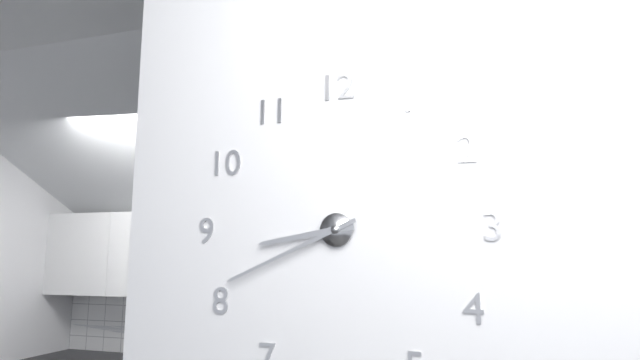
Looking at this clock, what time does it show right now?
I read 8:41
